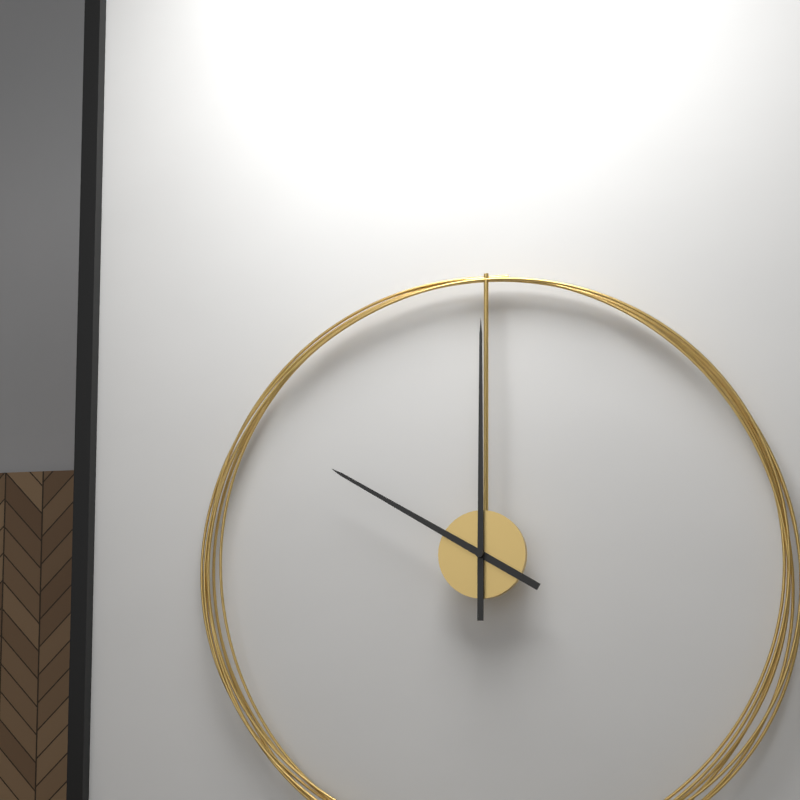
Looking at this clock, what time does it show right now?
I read 10:00
